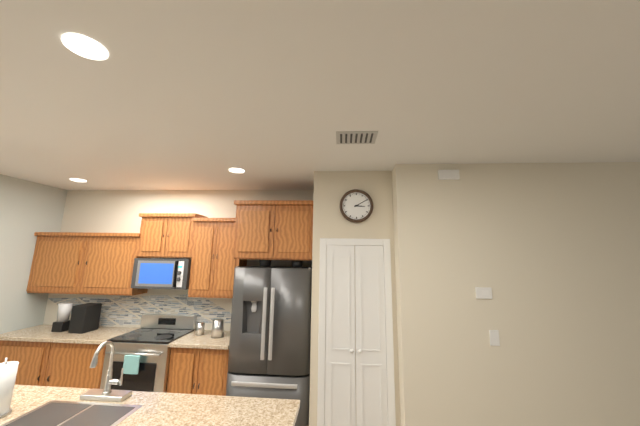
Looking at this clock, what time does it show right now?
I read 3:10
